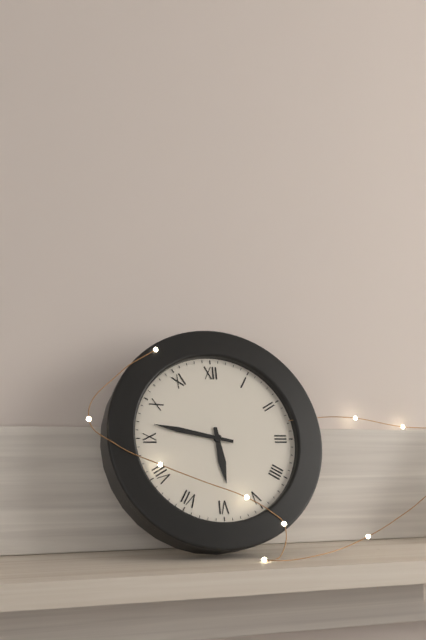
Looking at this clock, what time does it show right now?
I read 5:47
